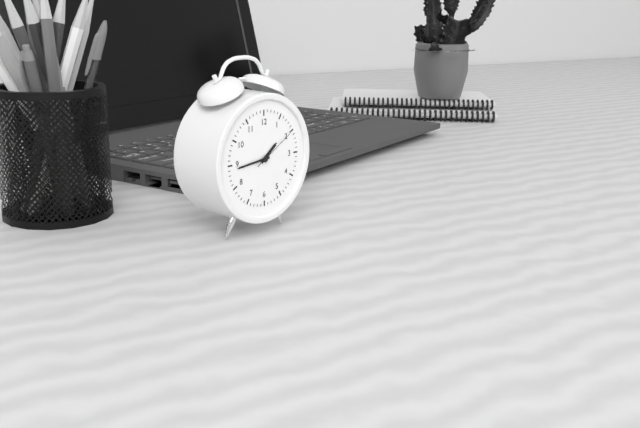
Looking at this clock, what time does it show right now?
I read 1:44
